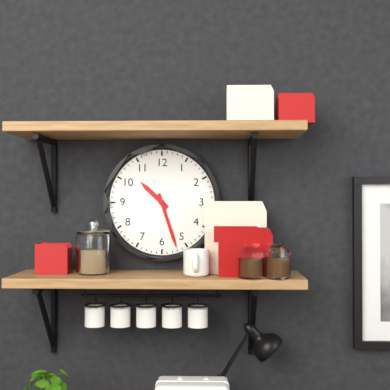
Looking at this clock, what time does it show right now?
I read 10:27
